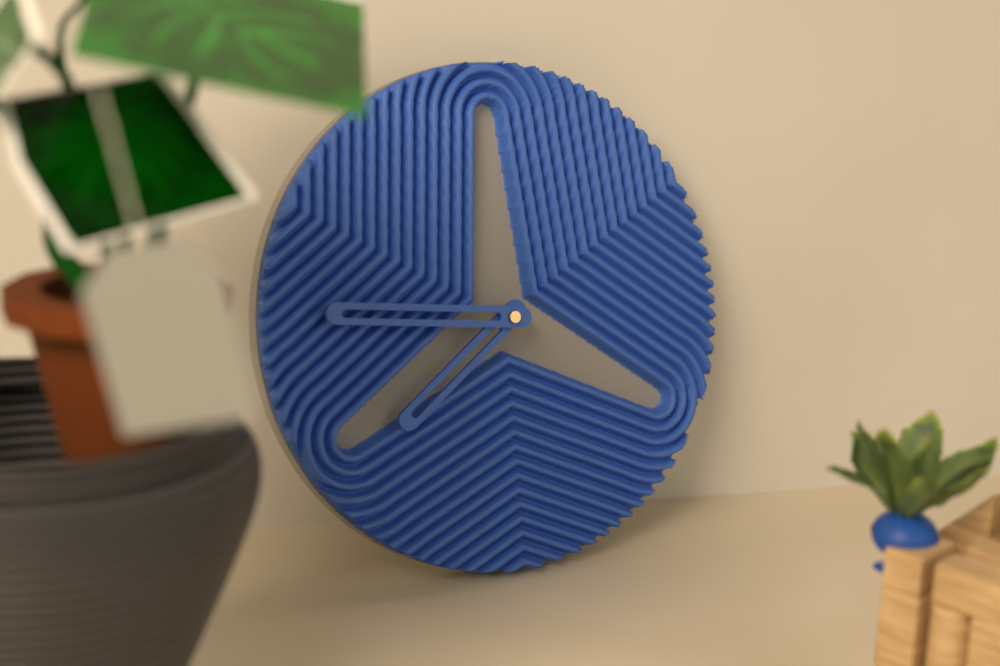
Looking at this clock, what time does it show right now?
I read 7:46
